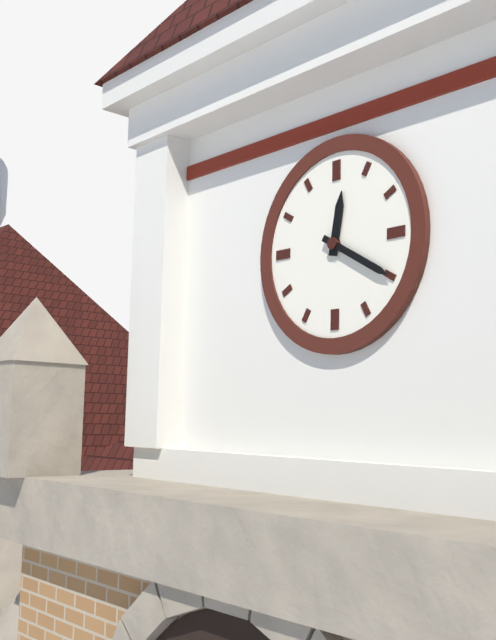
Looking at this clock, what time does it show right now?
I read 12:20
